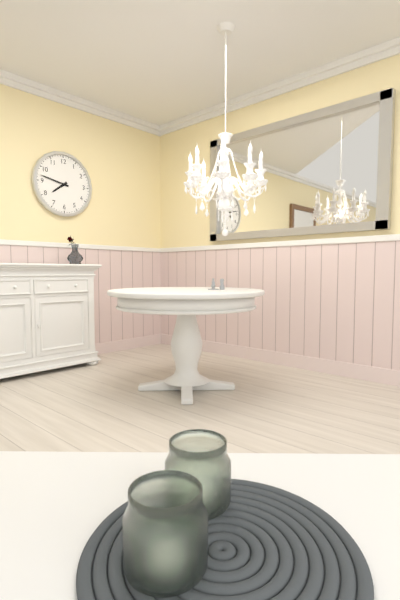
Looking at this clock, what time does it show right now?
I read 7:47
